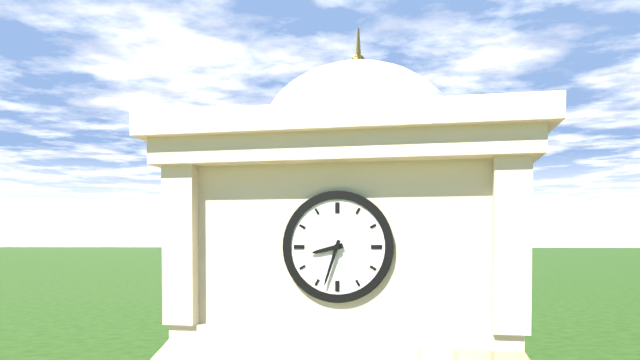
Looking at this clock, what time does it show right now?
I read 8:33
